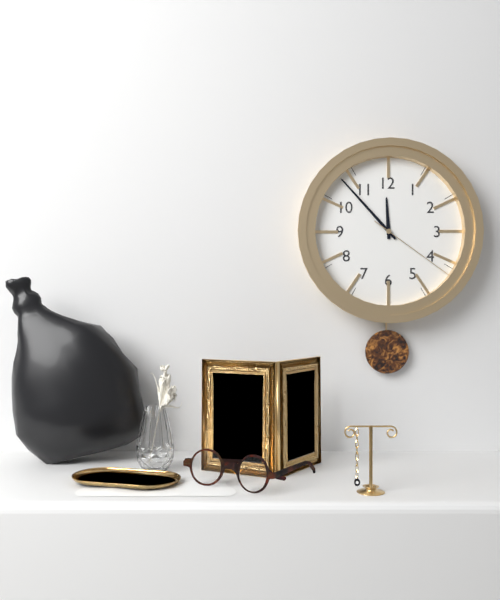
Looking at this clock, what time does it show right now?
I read 11:53:21
